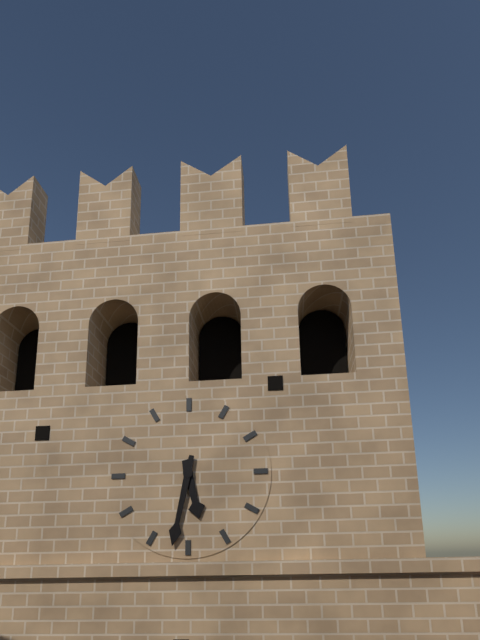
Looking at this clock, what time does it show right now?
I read 5:32
